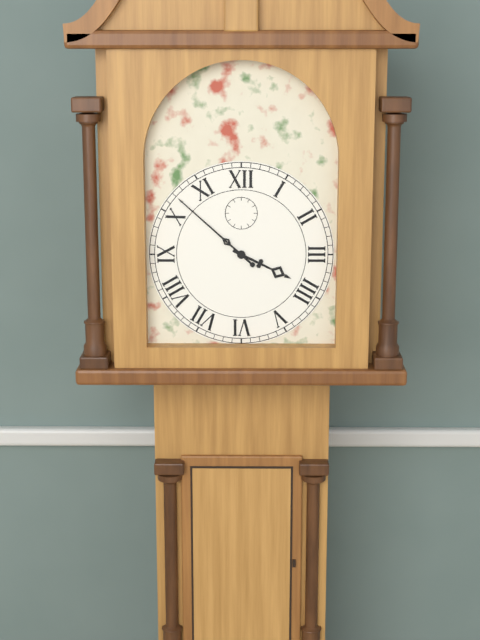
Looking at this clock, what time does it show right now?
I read 3:52
